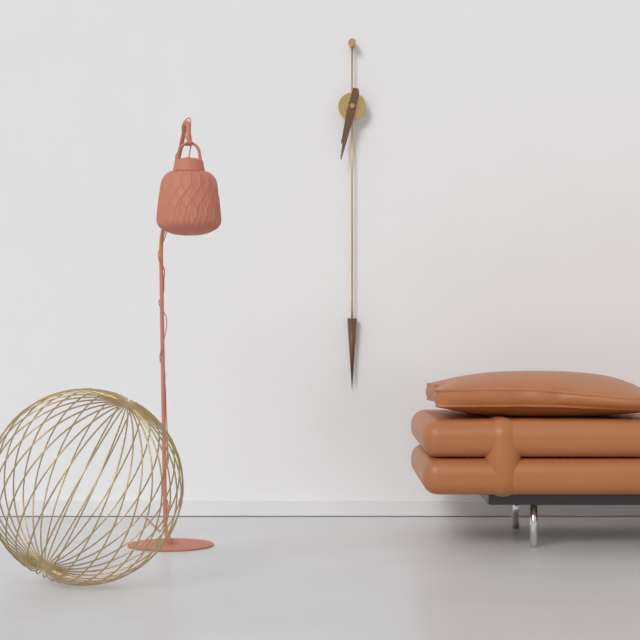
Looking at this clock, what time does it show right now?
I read 6:32
